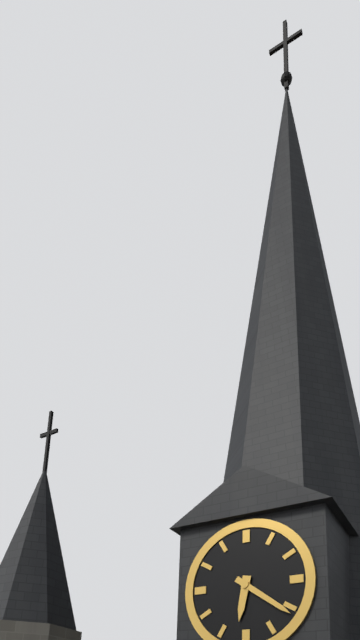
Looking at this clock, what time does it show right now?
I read 6:21
